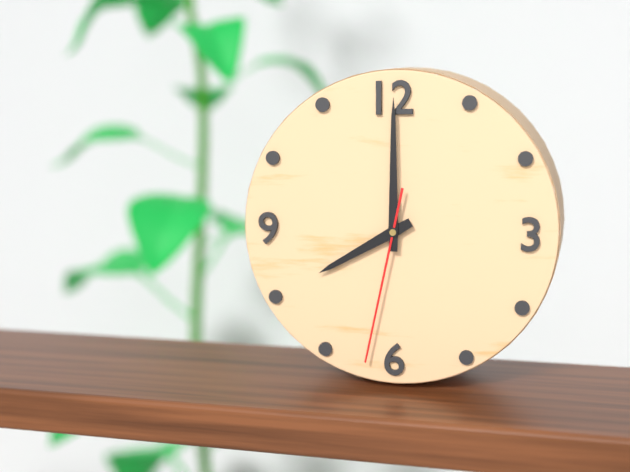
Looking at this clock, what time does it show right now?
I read 8:00:32
